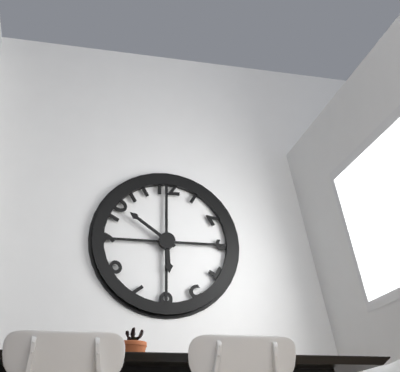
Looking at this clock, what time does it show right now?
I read 5:51
